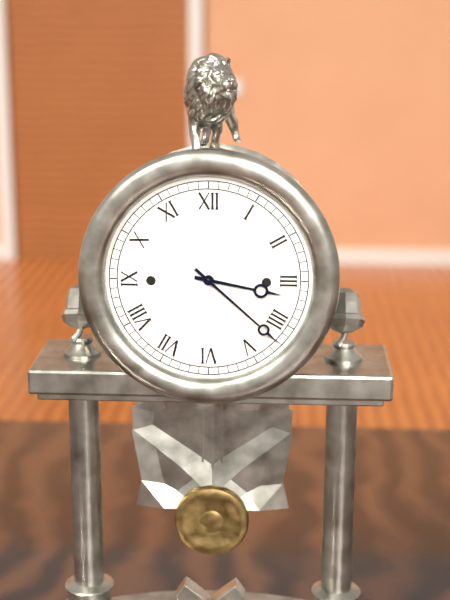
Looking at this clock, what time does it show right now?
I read 3:22
